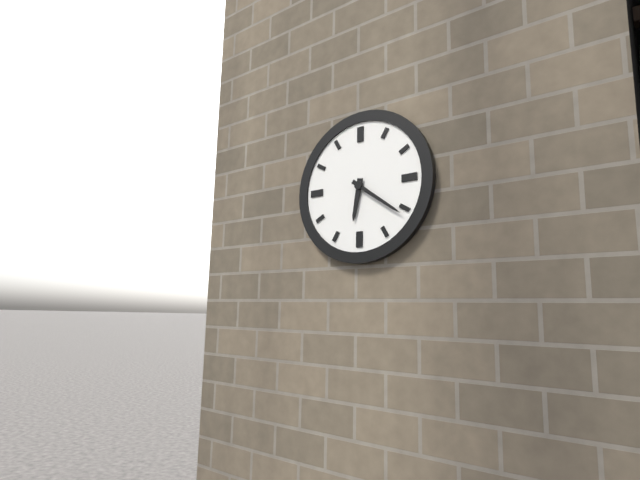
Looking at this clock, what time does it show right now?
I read 6:21
